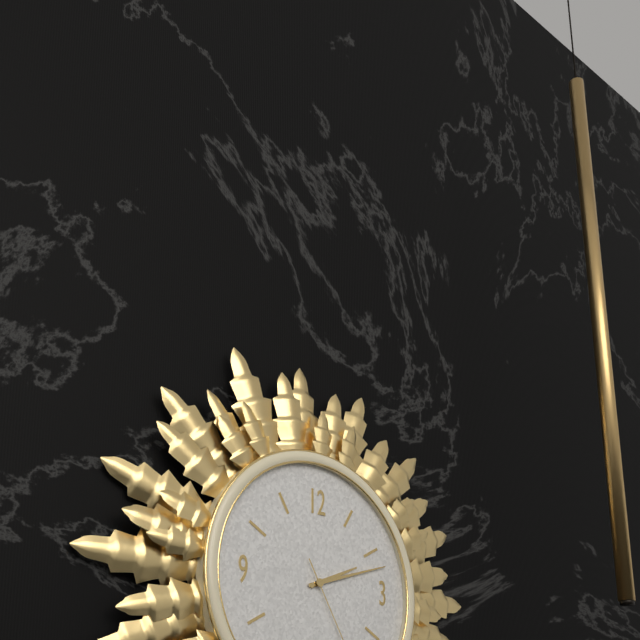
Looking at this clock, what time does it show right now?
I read 2:12
